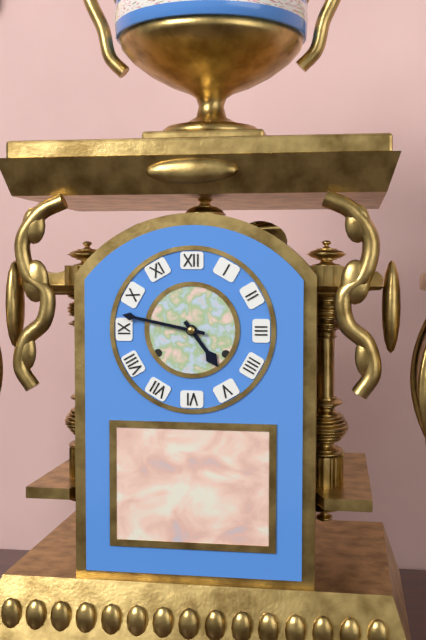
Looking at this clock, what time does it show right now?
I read 4:47
